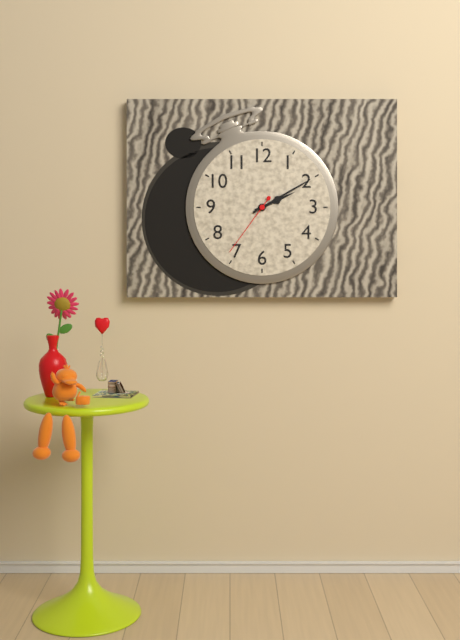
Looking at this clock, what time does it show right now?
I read 2:10:36
